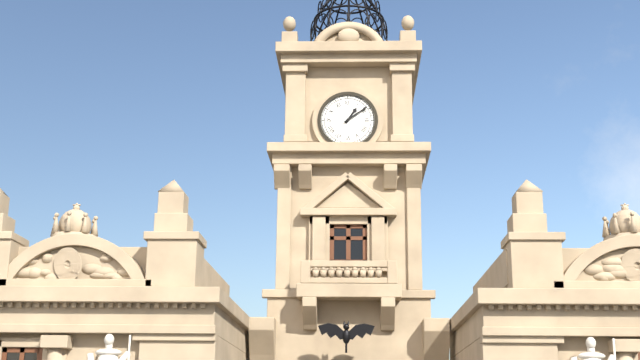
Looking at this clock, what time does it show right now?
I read 1:09
